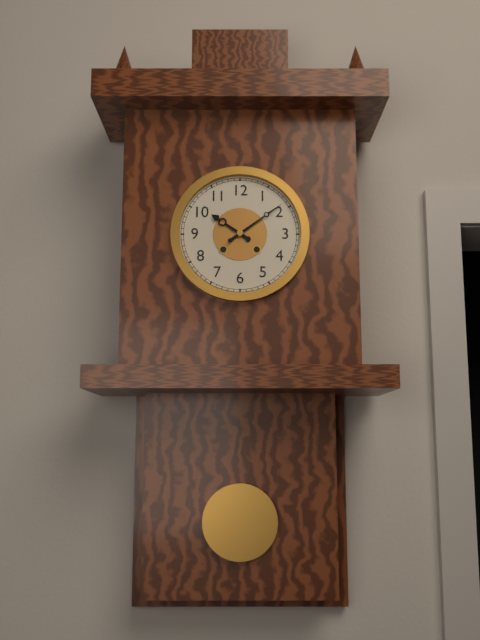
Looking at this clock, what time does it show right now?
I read 10:09
